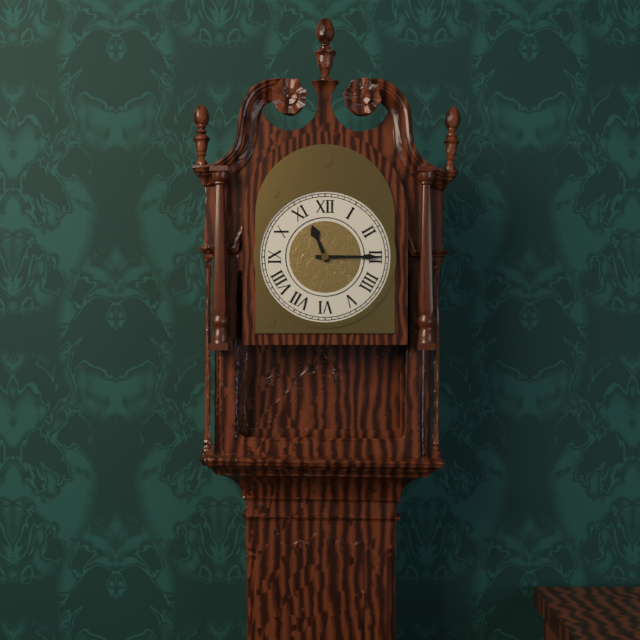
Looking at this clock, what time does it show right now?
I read 11:15
